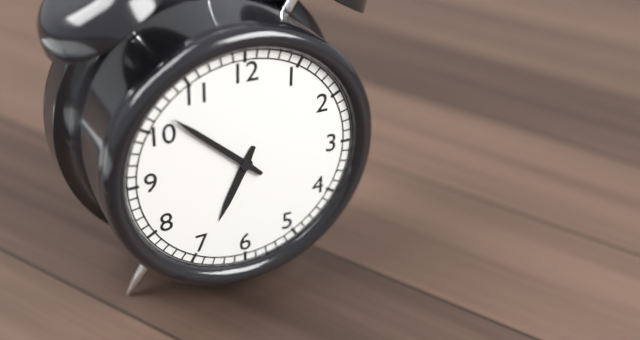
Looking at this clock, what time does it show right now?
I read 6:52
